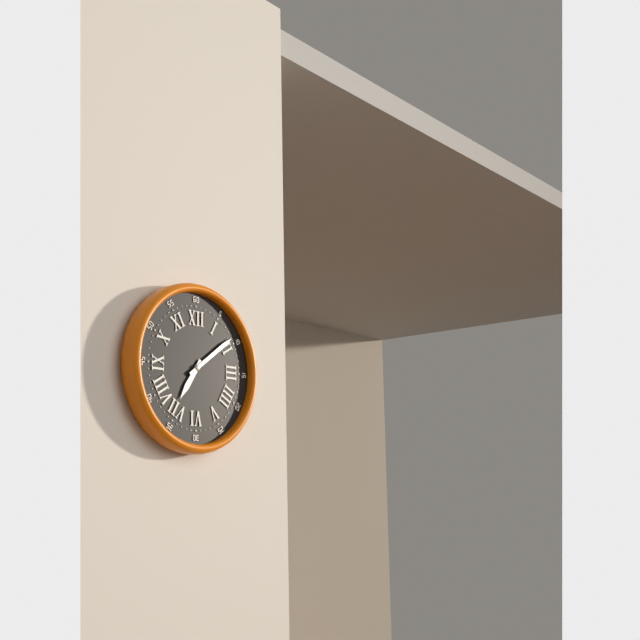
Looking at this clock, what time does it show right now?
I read 7:09
